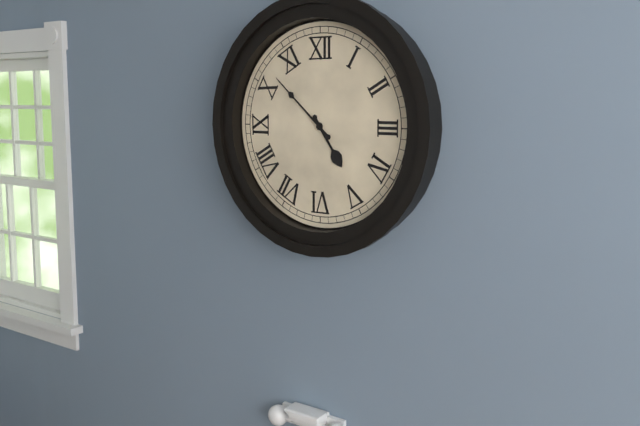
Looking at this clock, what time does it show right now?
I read 4:52
